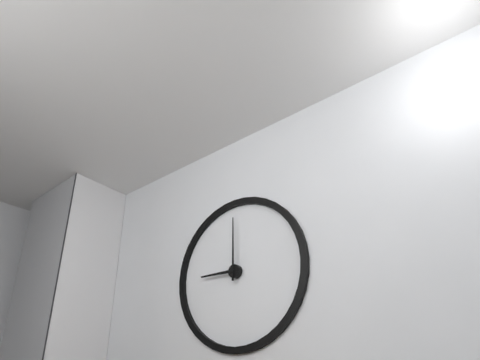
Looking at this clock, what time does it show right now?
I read 9:00
